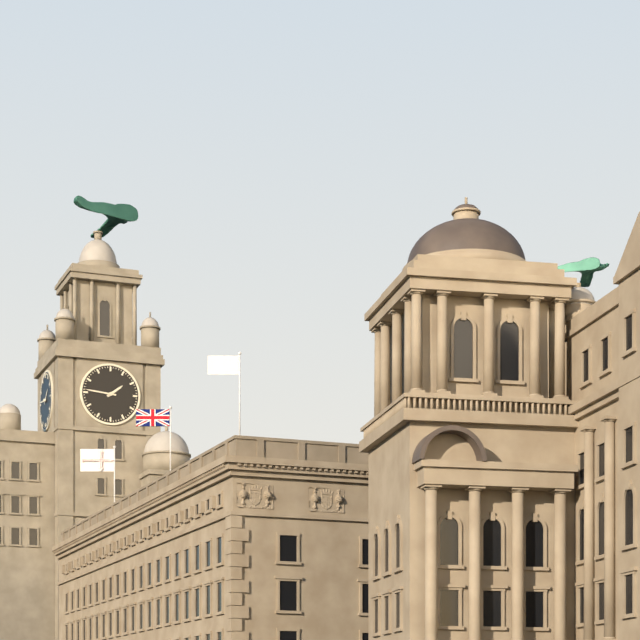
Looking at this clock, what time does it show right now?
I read 1:46
